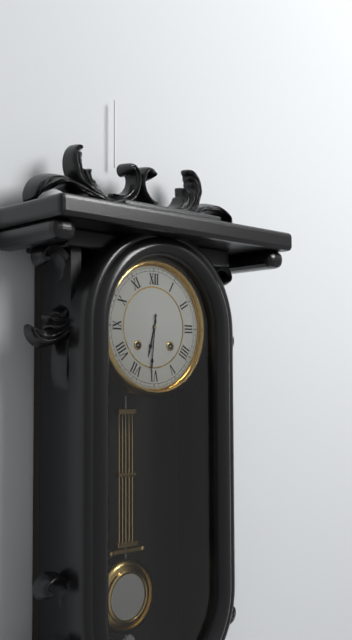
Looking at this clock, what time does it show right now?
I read 6:31
